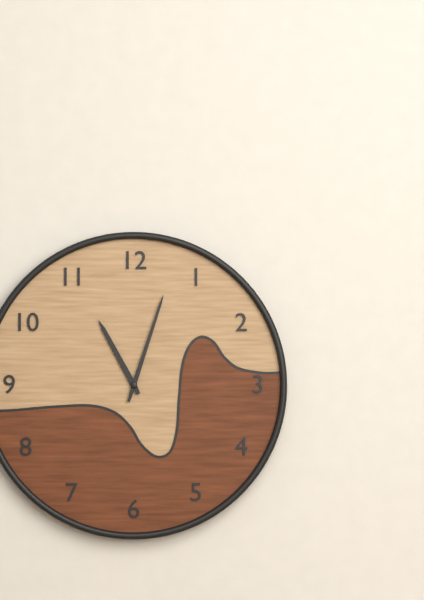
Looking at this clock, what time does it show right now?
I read 11:03
